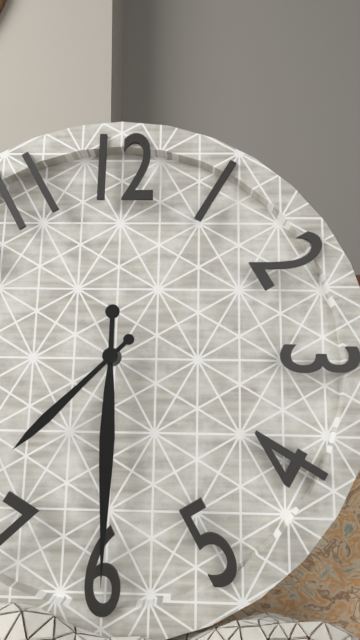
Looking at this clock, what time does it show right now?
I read 7:30
